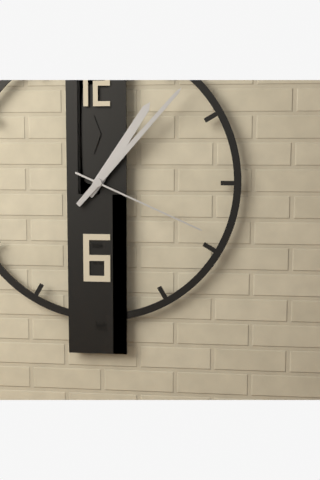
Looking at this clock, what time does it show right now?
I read 1:07:19
